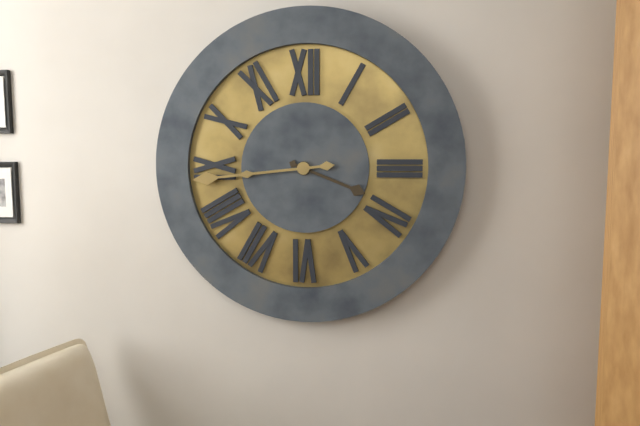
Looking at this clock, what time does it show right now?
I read 3:44
